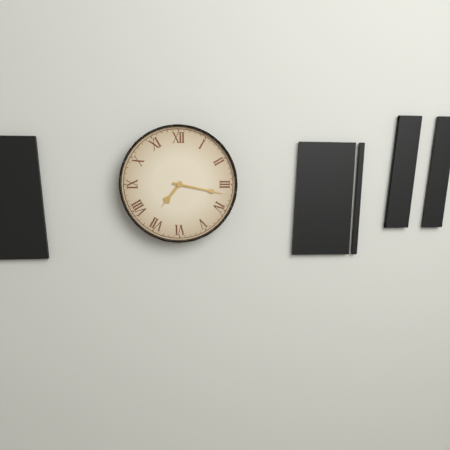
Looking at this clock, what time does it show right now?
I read 7:17
